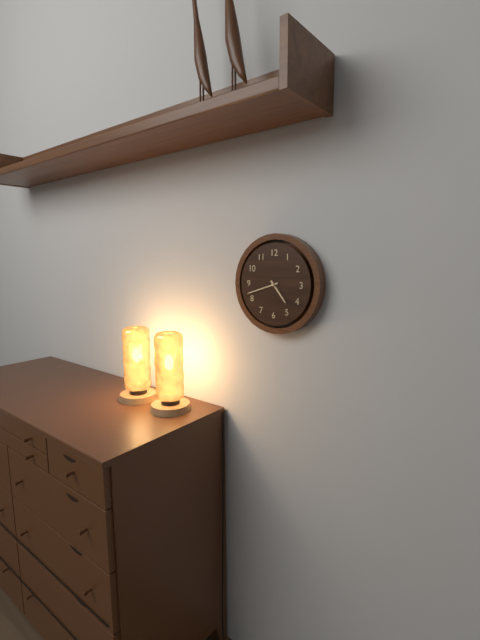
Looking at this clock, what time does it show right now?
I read 4:42
